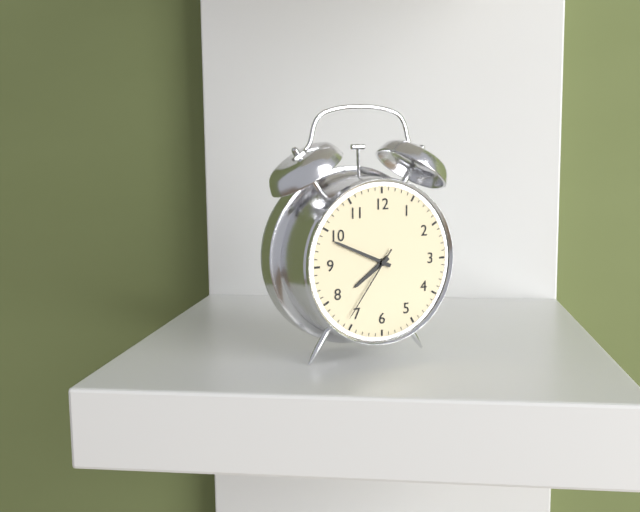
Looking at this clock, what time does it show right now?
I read 7:49:36
